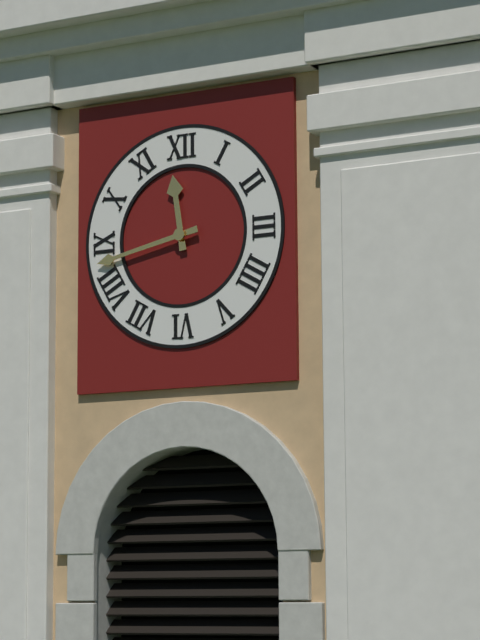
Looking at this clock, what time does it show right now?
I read 11:43
